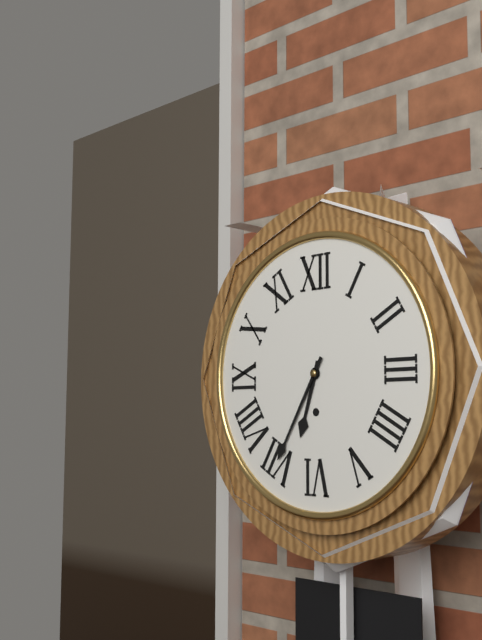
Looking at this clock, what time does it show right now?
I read 6:35
